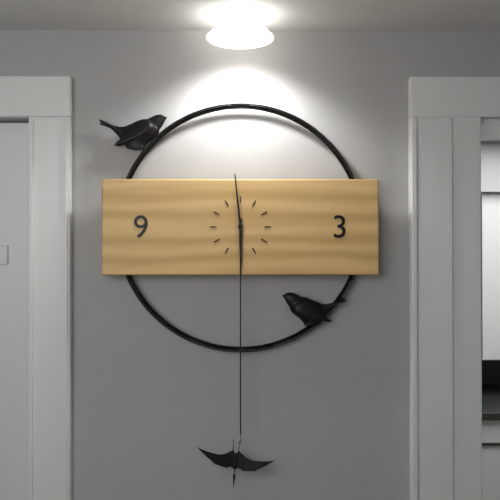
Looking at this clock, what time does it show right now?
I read 5:59
